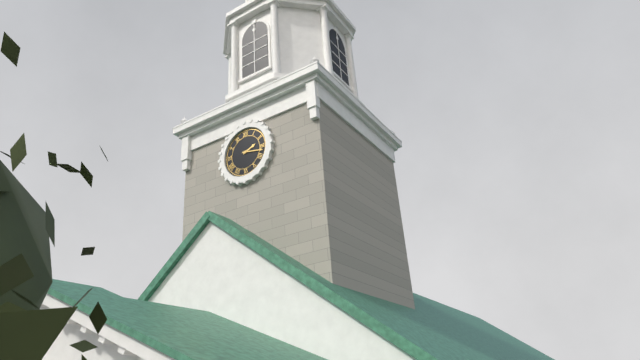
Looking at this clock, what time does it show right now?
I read 2:17
